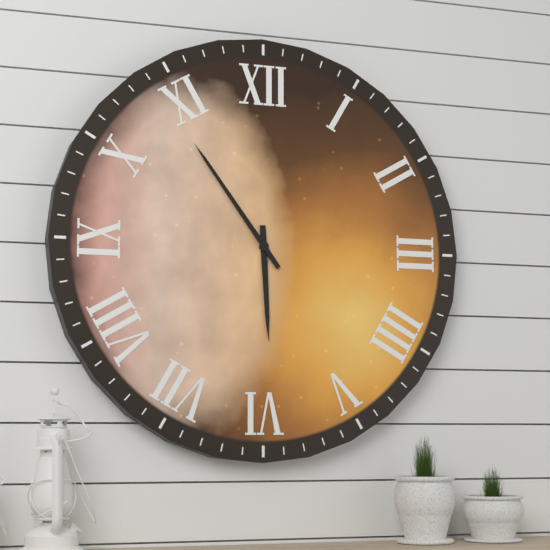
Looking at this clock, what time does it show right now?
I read 5:54
